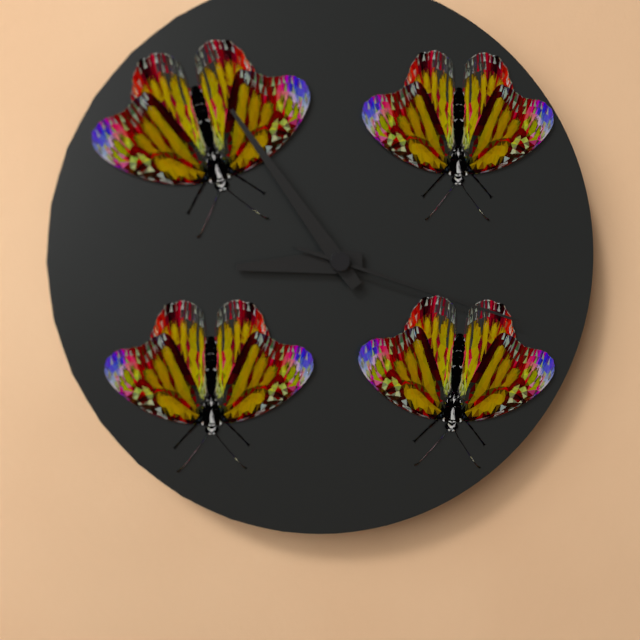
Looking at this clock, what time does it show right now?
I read 8:54:18
